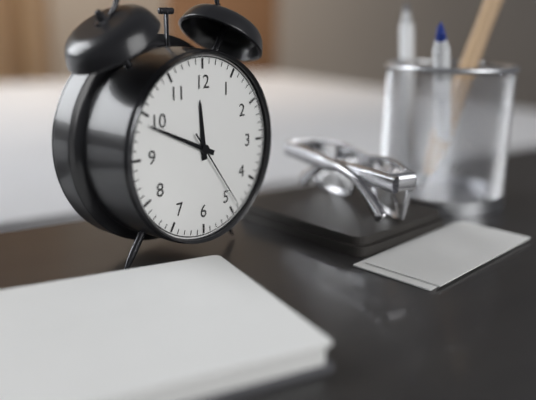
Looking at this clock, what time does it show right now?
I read 11:49:24
